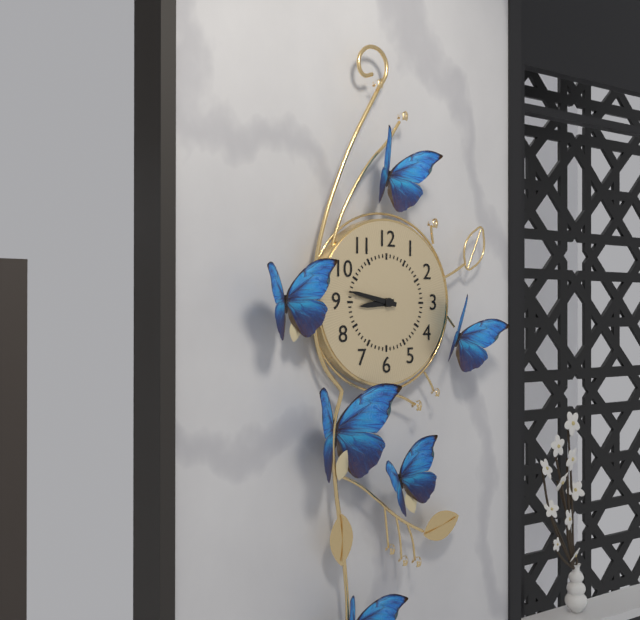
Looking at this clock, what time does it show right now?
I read 8:47
